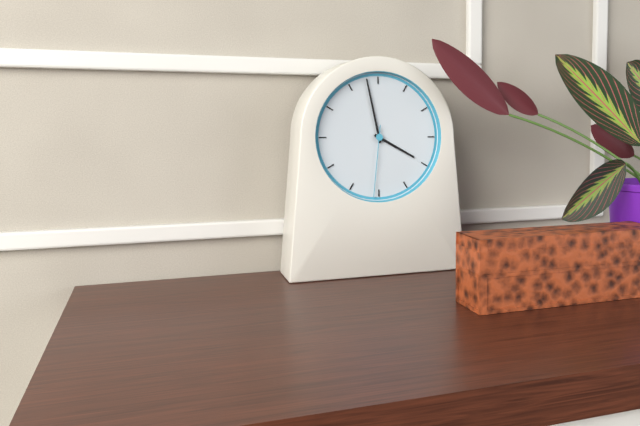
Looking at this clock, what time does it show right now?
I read 3:58:31
